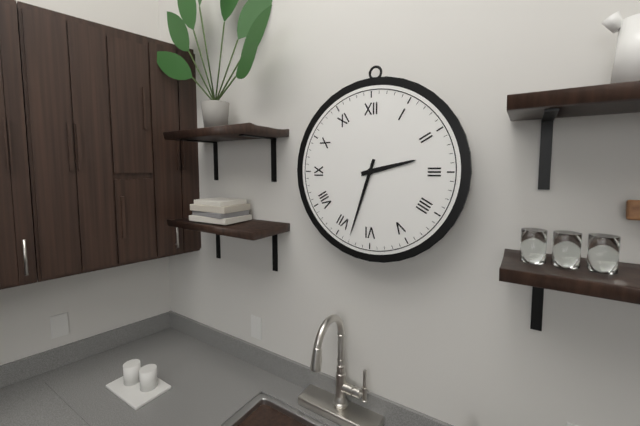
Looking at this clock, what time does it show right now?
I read 2:33
